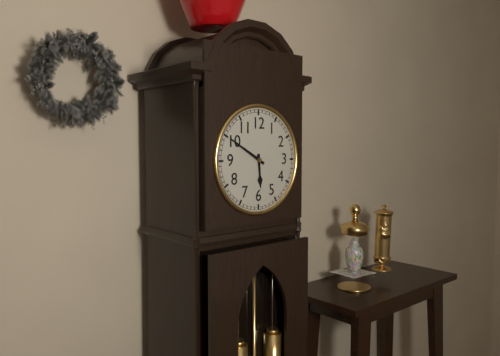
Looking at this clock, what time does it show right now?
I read 5:50
